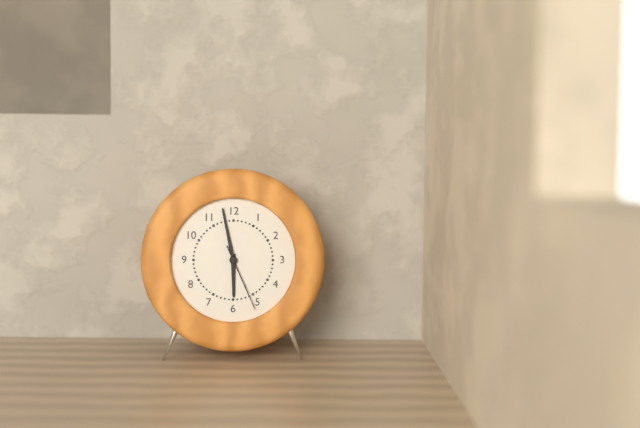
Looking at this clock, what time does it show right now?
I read 5:58:26
